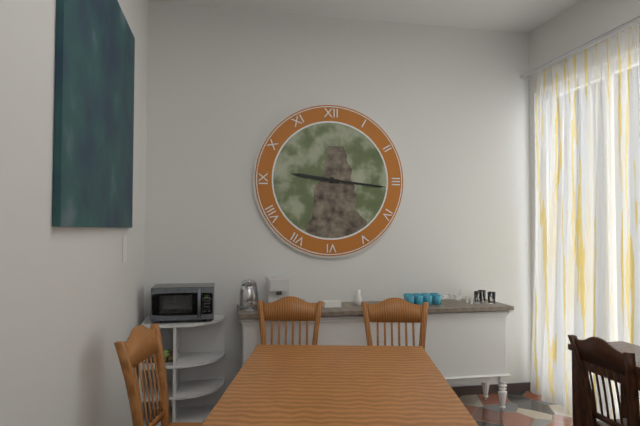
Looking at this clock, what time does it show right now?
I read 9:16
